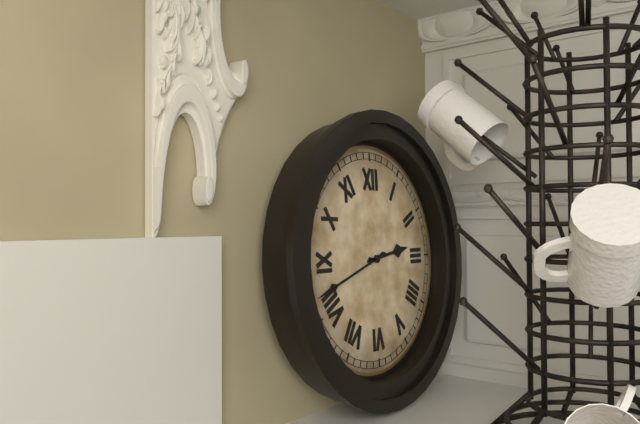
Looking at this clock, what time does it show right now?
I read 2:42
